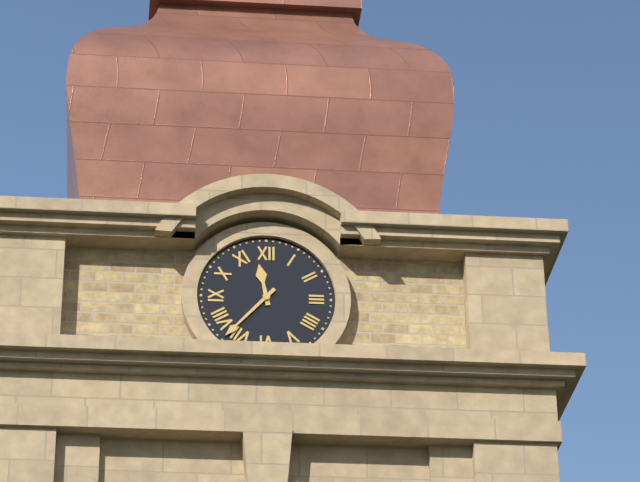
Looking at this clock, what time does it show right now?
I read 11:37
